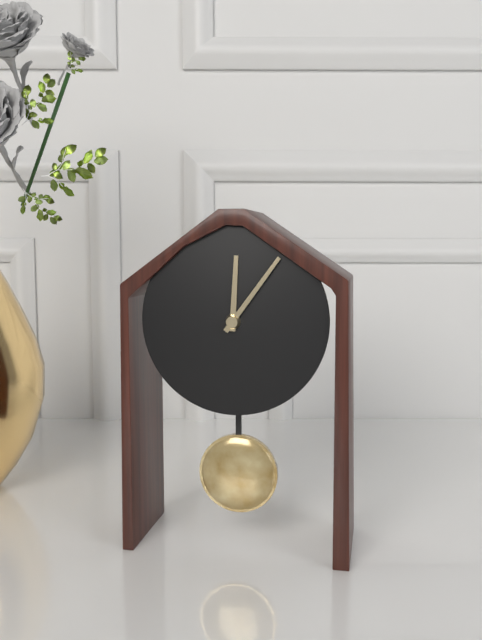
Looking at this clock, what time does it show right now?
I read 12:06
